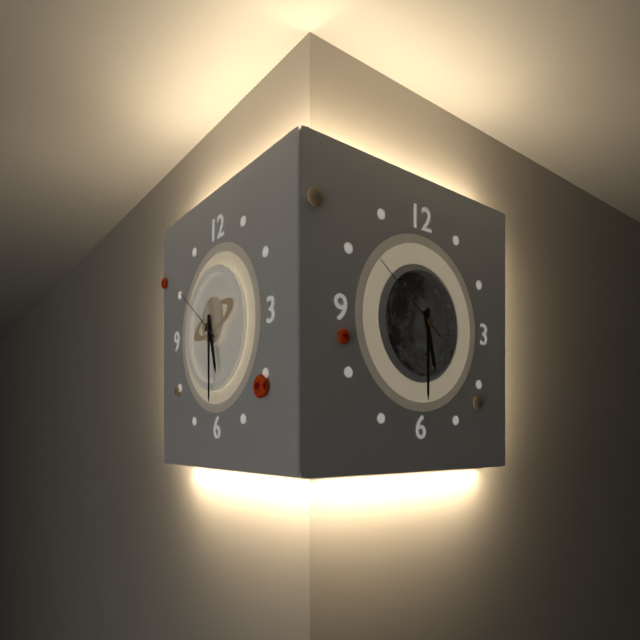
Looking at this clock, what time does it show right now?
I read 5:30:51
